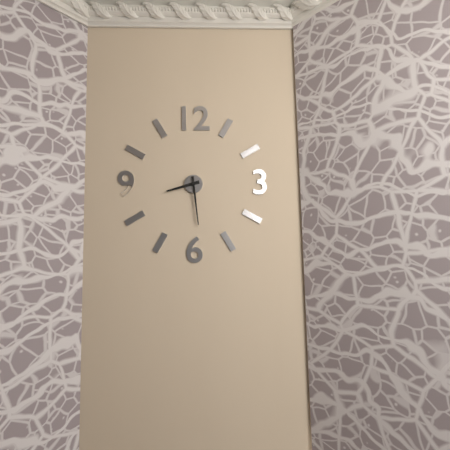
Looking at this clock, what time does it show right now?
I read 8:29
